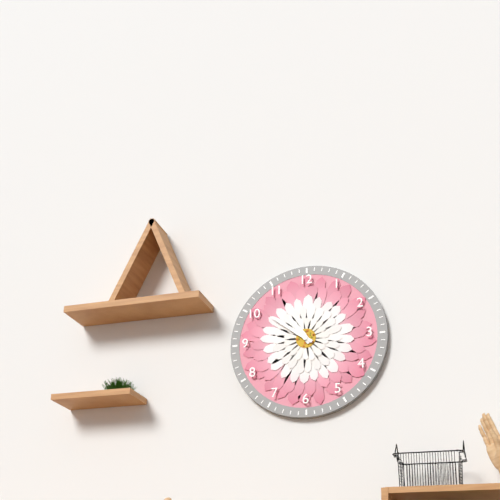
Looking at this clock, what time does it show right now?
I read 10:51
